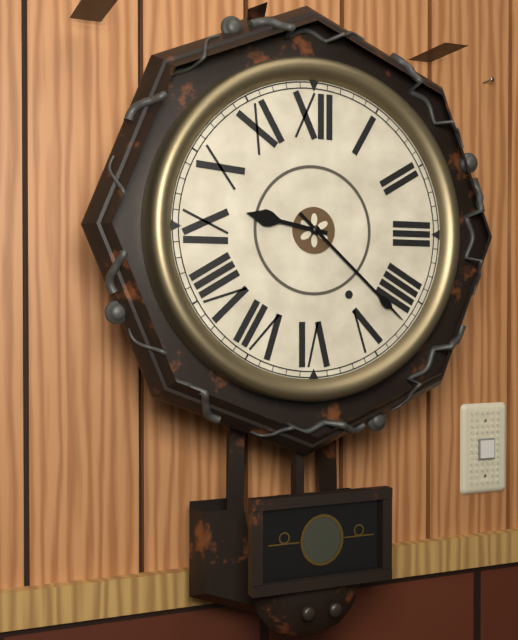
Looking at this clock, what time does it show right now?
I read 9:22
